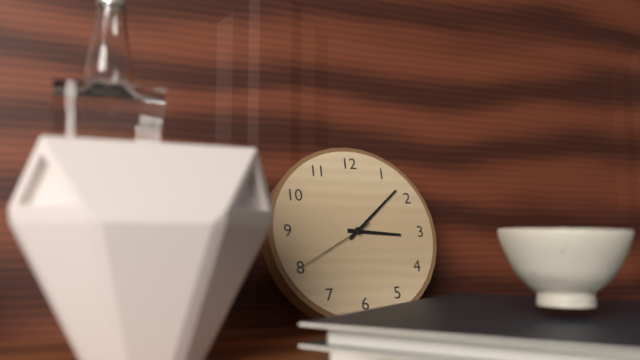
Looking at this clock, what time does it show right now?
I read 3:08:40
